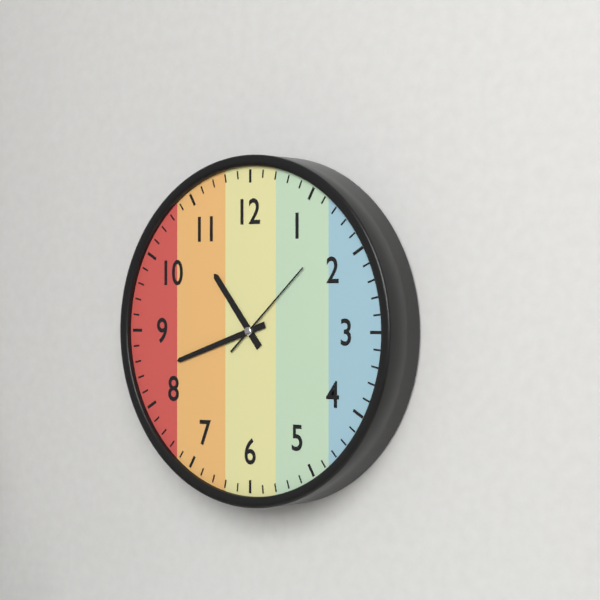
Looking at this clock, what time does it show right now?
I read 10:42:08
